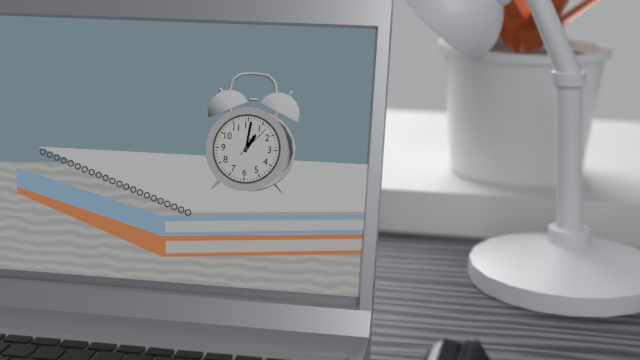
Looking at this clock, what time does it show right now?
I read 1:01
